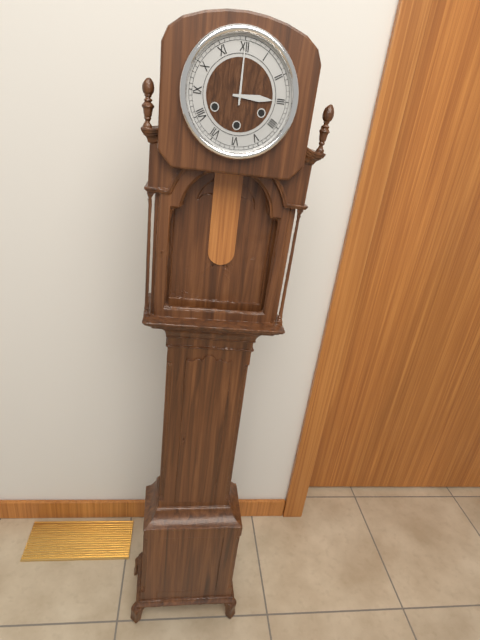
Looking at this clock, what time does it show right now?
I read 3:00
